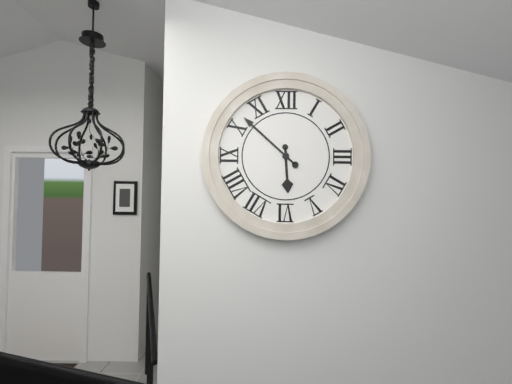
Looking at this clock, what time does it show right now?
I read 5:52
